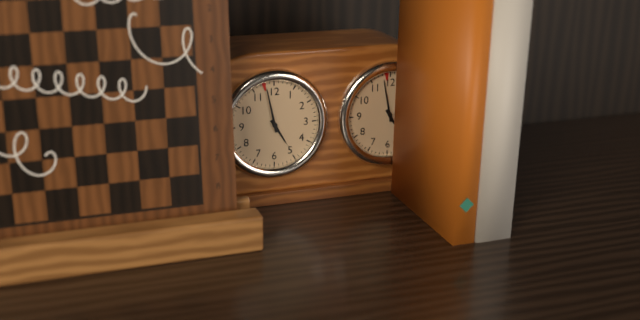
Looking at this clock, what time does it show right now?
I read 4:58
